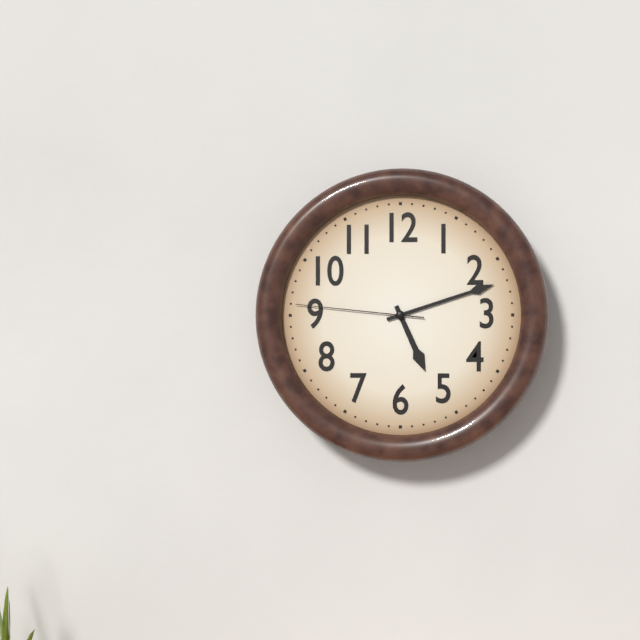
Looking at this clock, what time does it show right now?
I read 5:12:46
